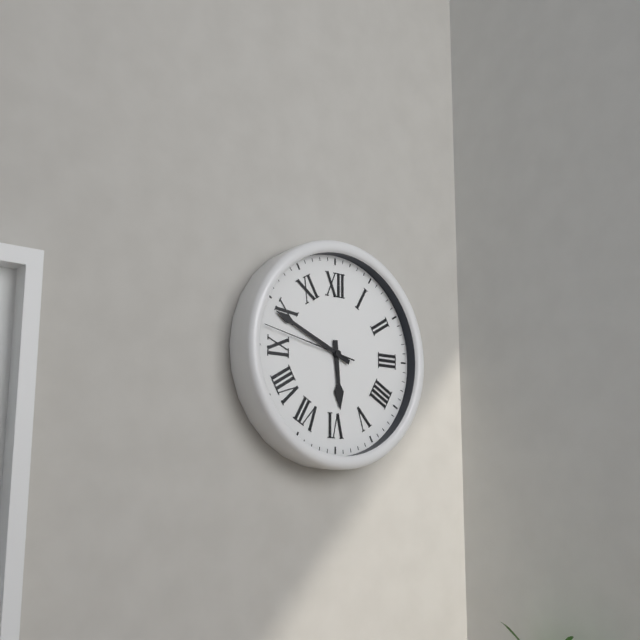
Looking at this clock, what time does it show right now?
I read 5:49:47
